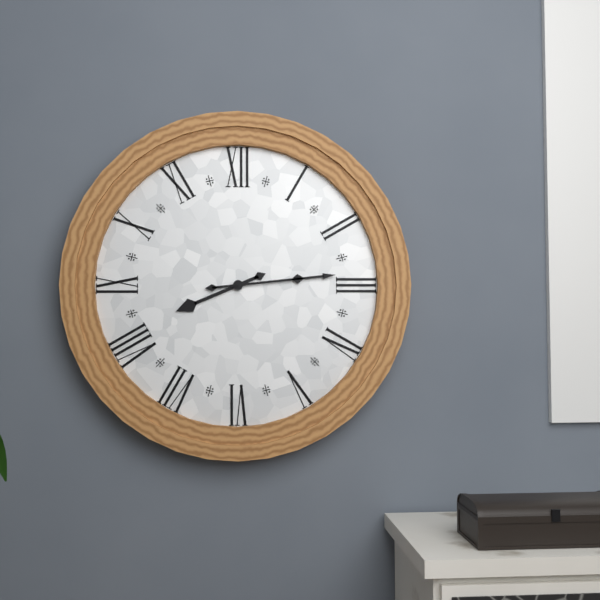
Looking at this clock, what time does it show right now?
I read 8:14
